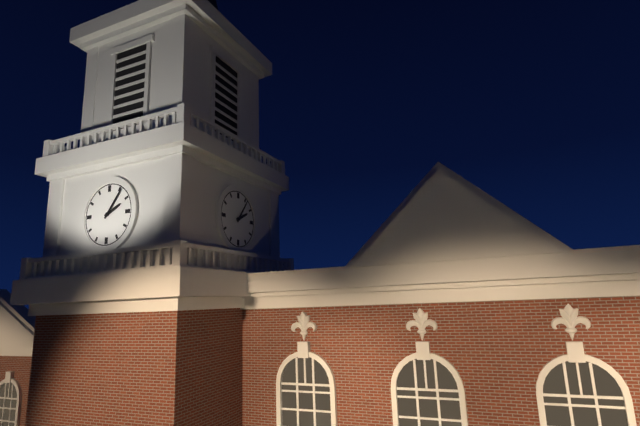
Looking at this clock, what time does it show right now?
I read 2:06
